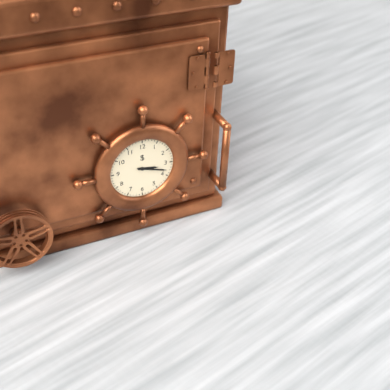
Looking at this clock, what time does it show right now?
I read 3:18
